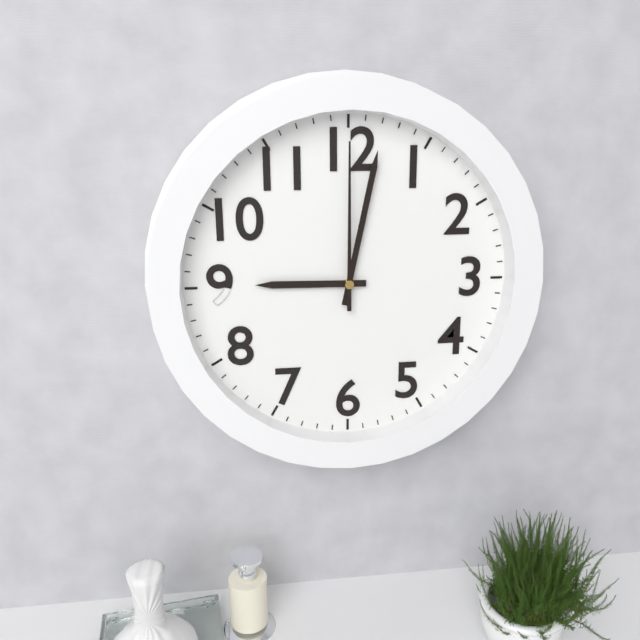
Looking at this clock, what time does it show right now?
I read 9:02:00
